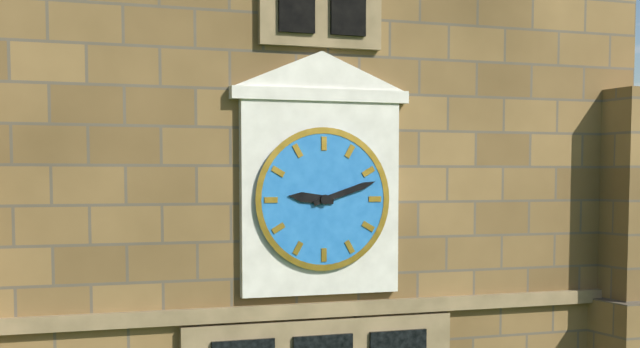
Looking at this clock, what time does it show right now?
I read 9:12
